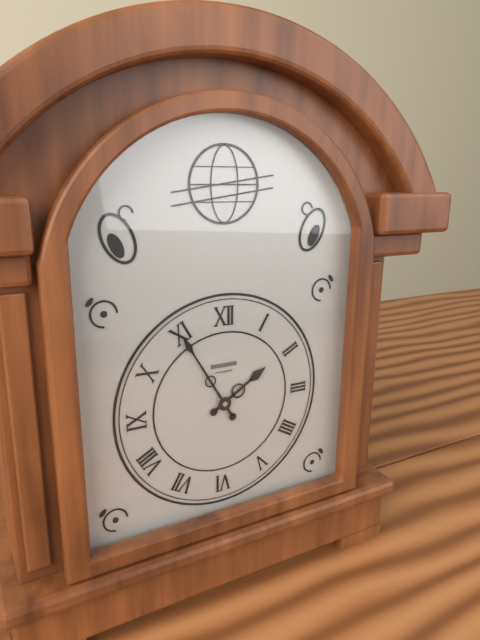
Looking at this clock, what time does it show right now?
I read 1:55
